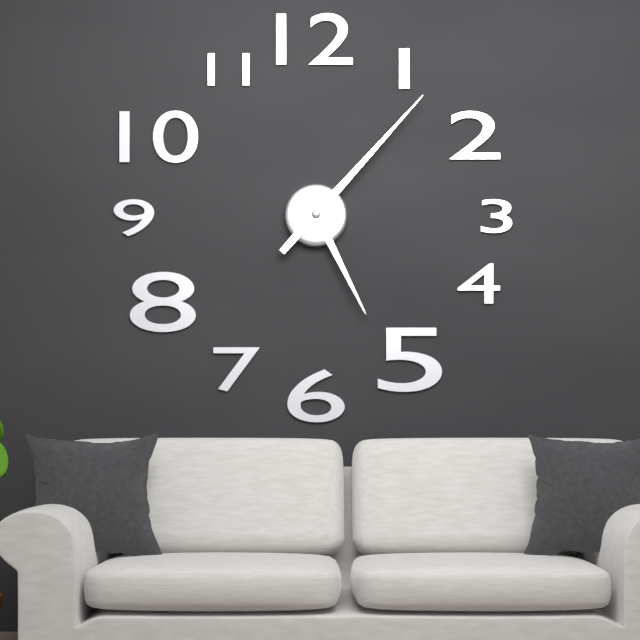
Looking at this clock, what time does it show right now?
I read 5:07
